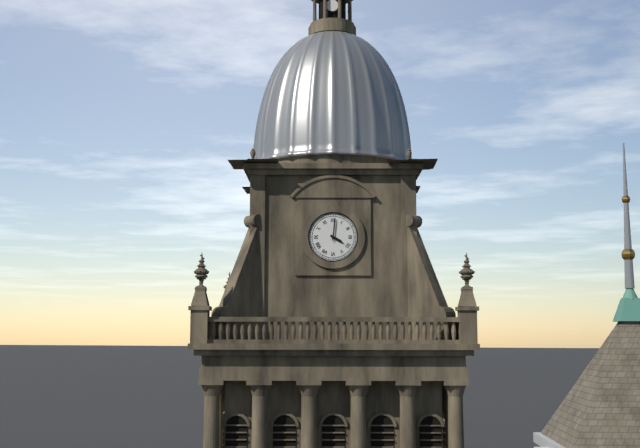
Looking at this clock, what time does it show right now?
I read 4:01
